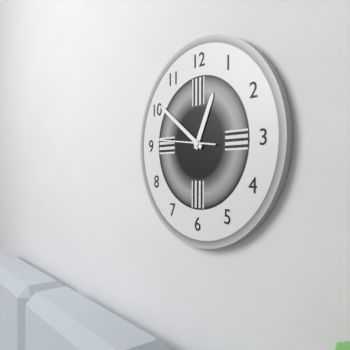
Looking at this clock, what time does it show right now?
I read 12:51:46
